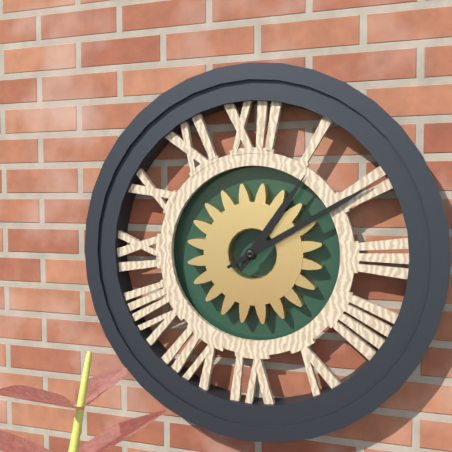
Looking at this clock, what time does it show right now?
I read 1:10
